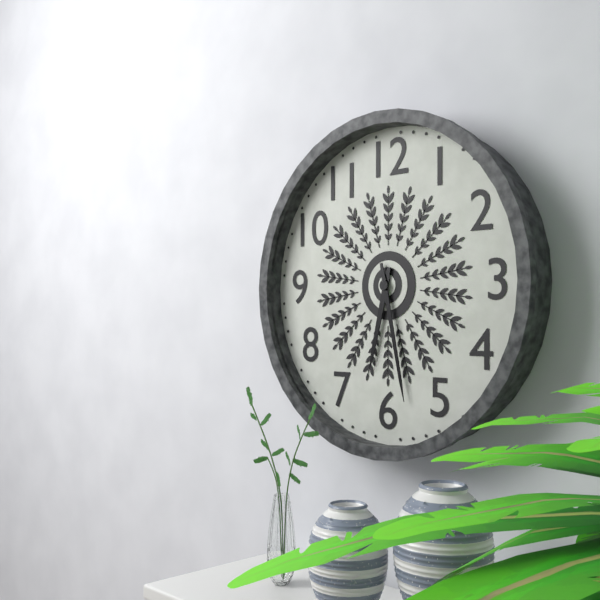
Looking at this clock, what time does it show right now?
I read 6:28
